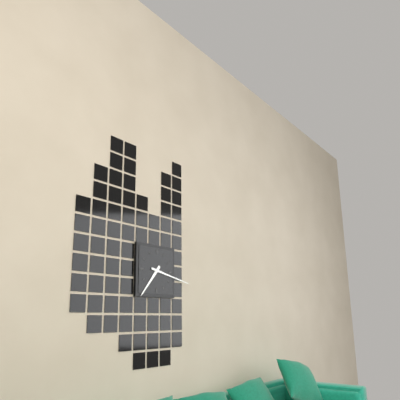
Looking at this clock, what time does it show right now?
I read 7:17
